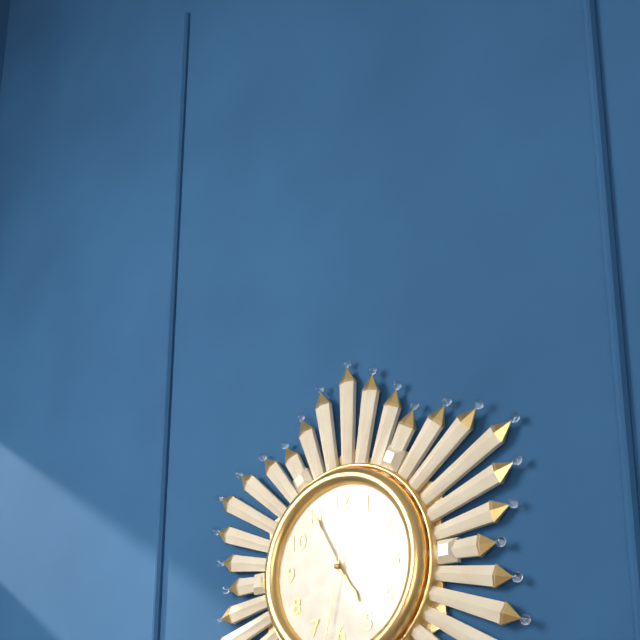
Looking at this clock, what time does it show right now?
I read 4:55
